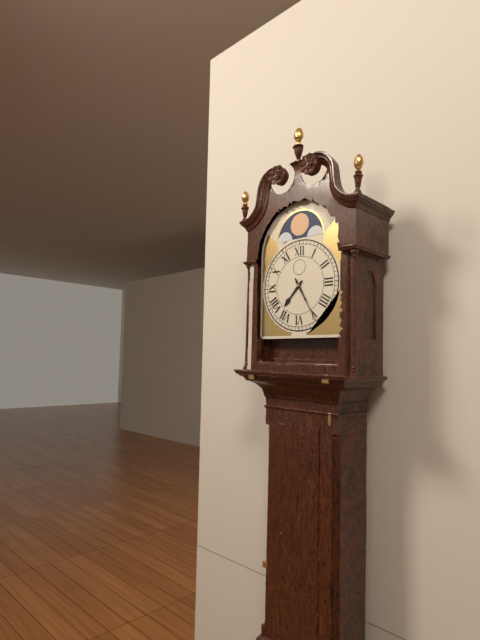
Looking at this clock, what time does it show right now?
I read 7:25
